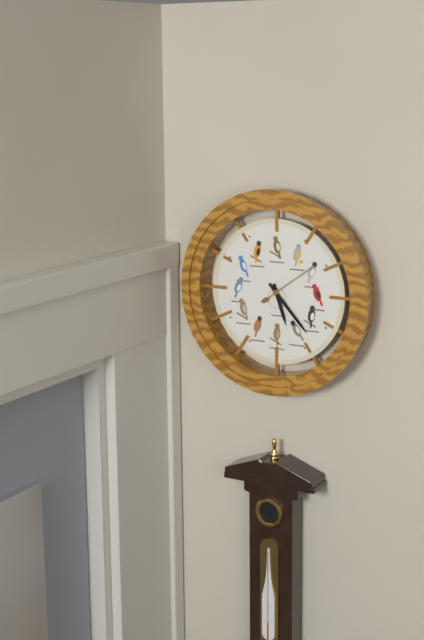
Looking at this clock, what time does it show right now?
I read 5:23:09
